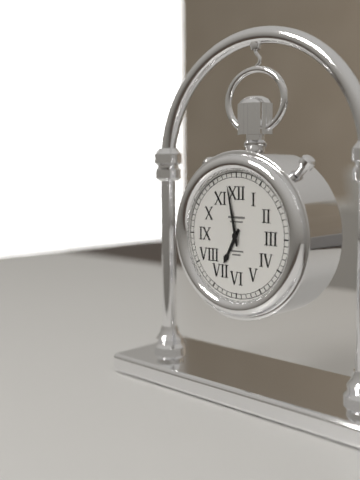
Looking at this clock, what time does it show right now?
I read 6:58
